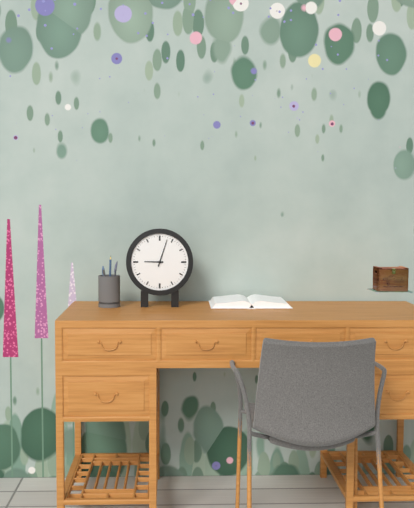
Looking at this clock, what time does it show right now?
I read 9:03
